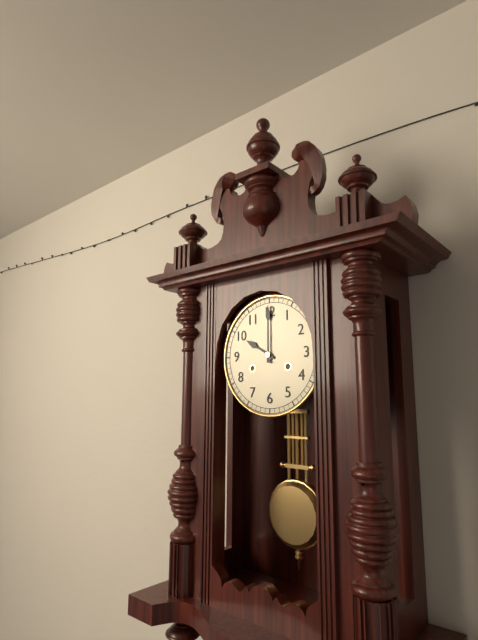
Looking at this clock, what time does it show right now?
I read 10:00
